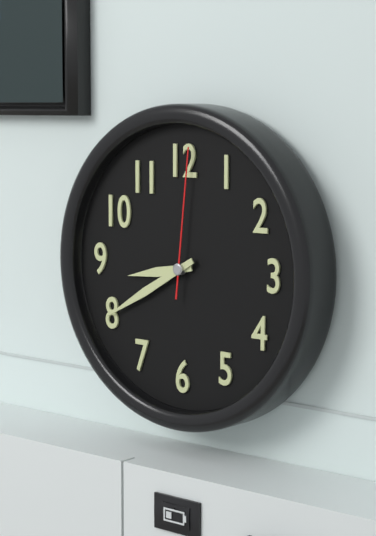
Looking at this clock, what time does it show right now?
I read 8:40:01
